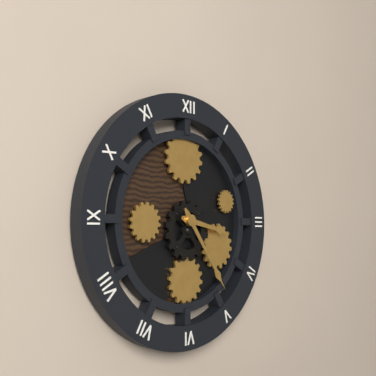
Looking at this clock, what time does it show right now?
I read 3:24
